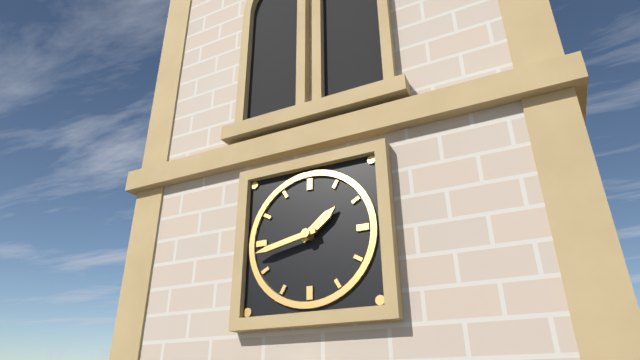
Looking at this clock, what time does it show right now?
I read 1:43
